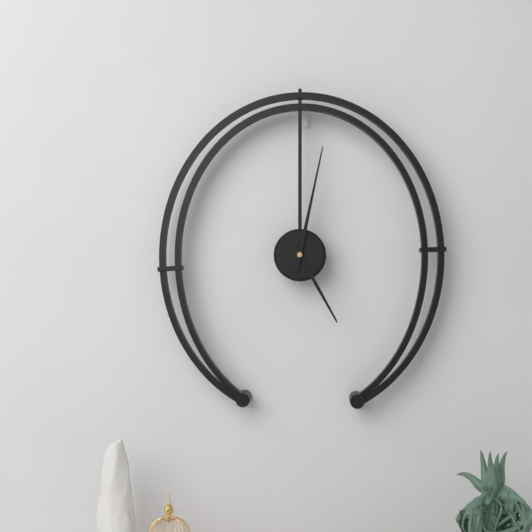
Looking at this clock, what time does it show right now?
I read 5:02
